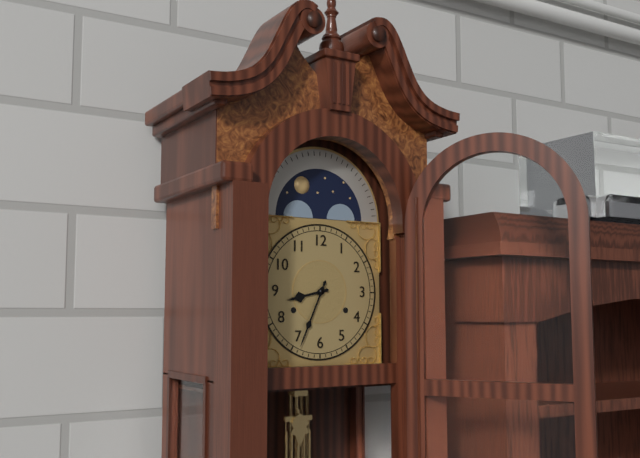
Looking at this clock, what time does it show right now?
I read 8:34
